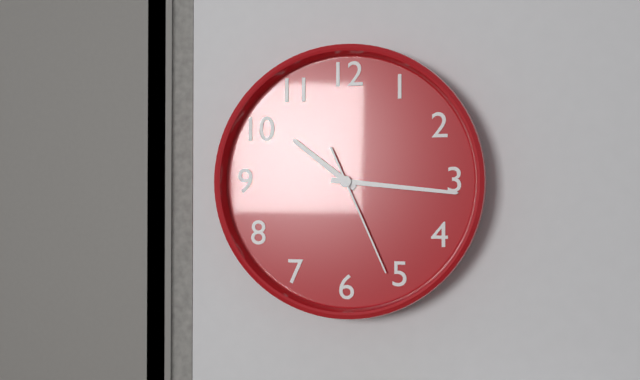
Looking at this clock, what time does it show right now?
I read 10:16:26
